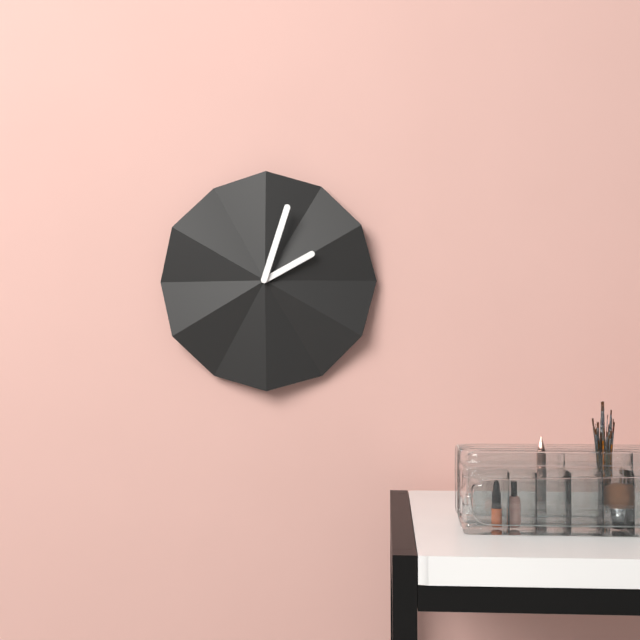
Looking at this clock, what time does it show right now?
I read 2:03
